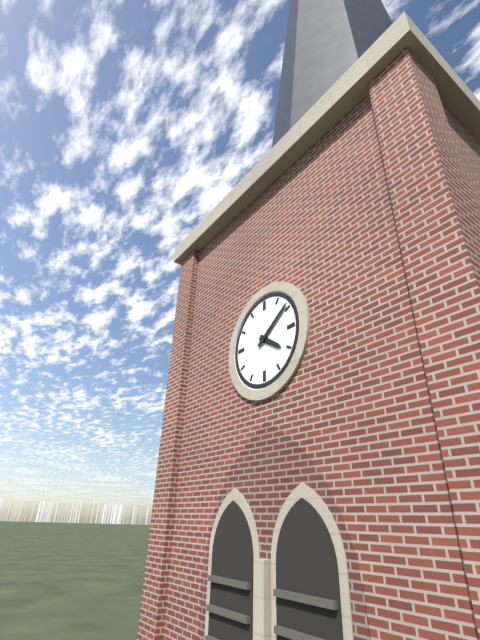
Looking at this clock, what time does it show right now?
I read 4:09
